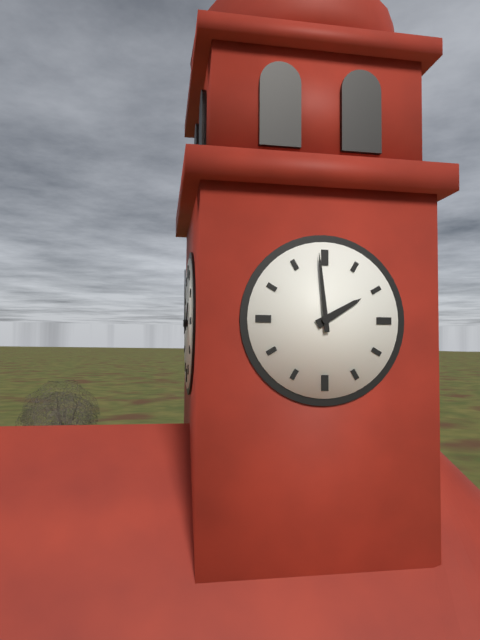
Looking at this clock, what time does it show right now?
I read 1:59
